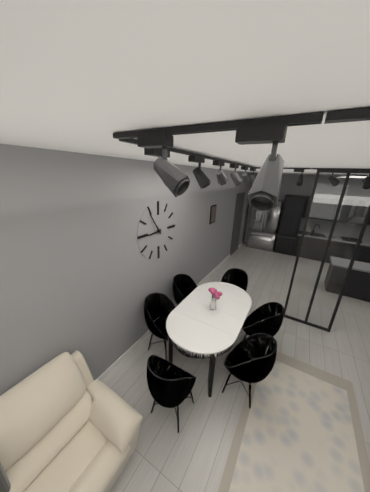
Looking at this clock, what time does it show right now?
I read 8:54
